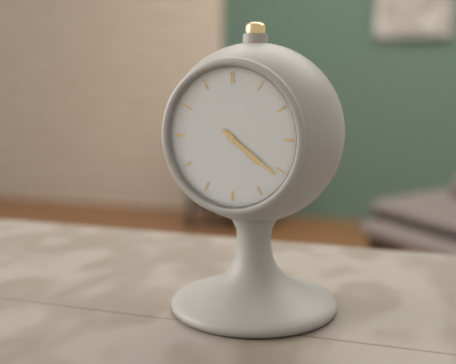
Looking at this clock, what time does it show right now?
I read 4:21
